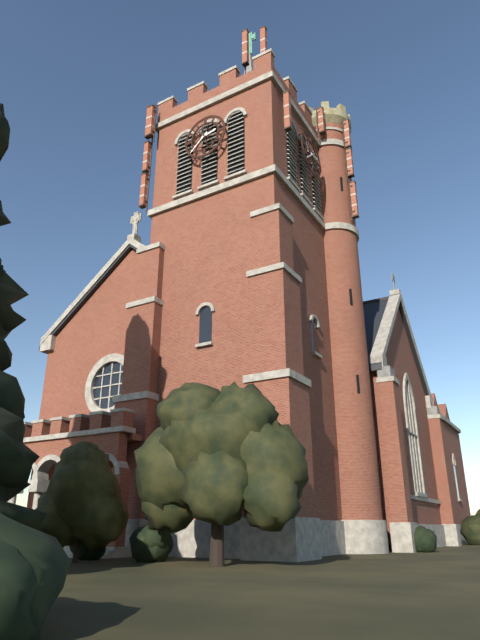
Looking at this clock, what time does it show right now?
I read 2:38
